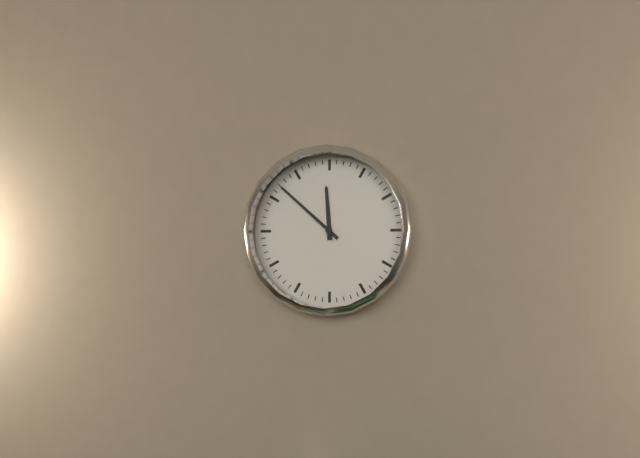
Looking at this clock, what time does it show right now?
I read 11:52
